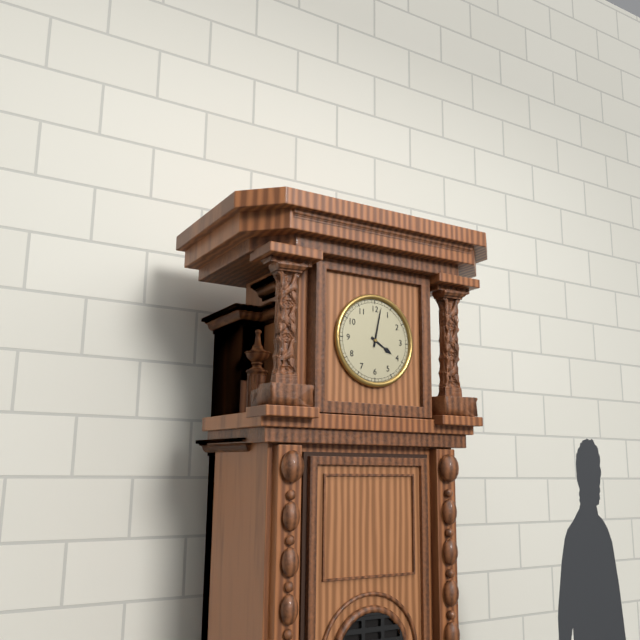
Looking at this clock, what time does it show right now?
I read 4:02
